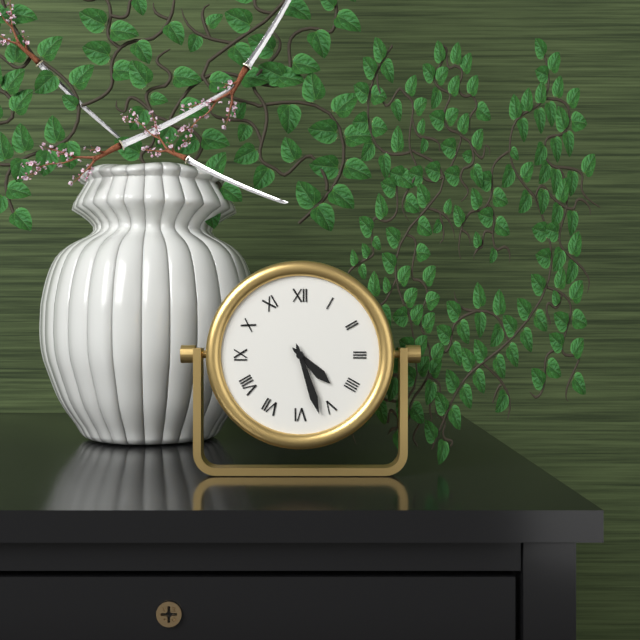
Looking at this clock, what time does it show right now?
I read 4:27
